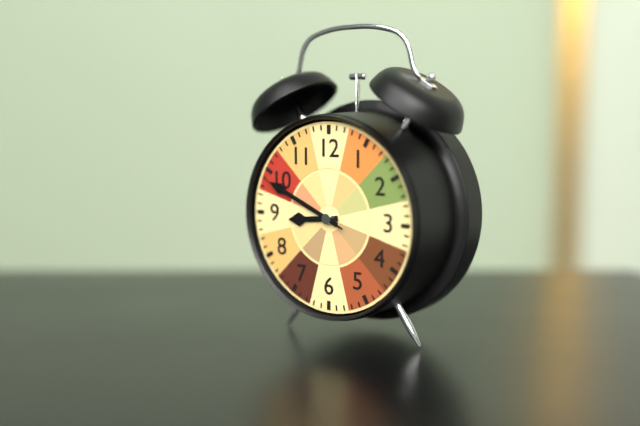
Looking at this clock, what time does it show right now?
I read 8:49:49
